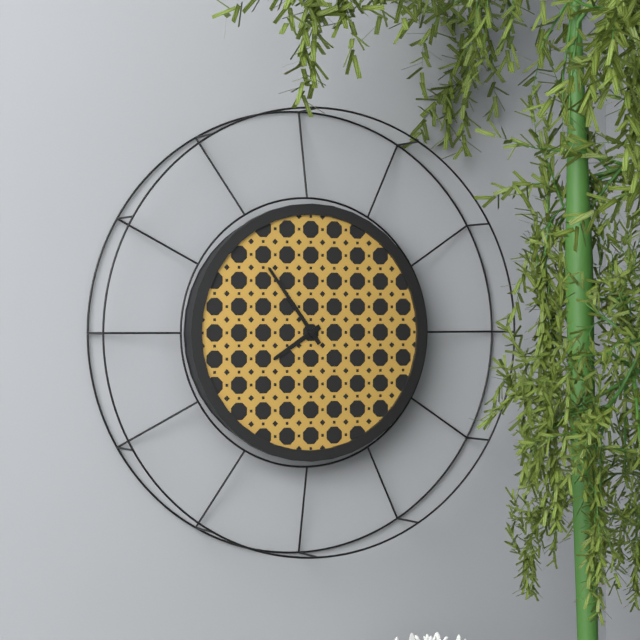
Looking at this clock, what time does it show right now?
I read 7:54
